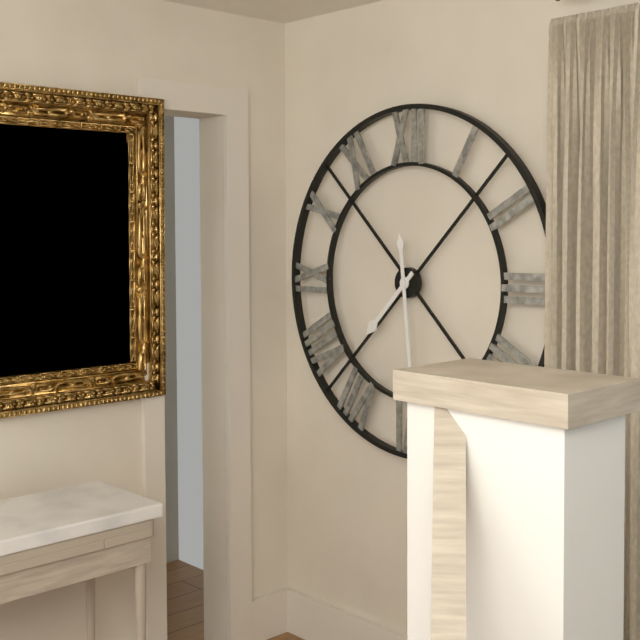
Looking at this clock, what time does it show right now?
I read 7:29
